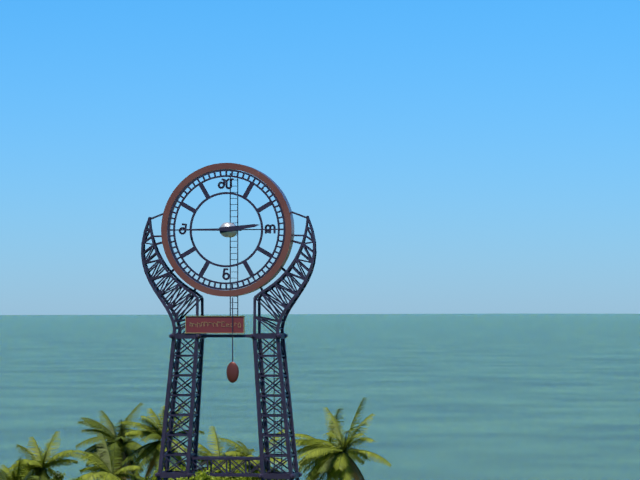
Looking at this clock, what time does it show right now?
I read 2:45
